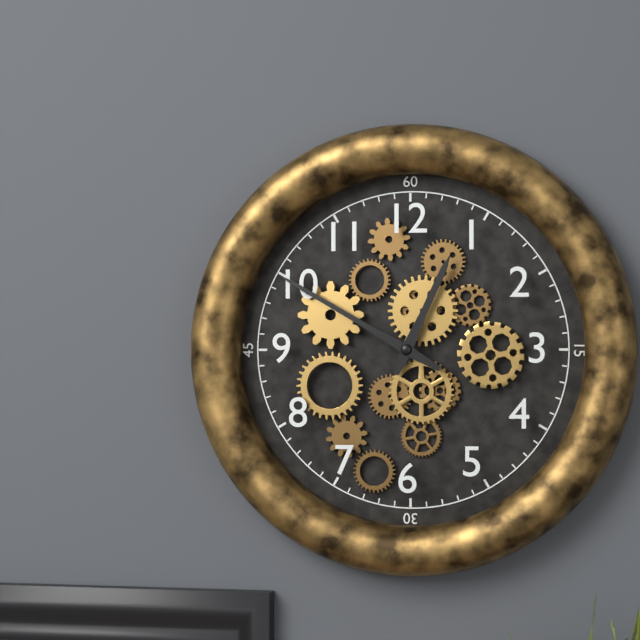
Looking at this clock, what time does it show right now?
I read 12:50
